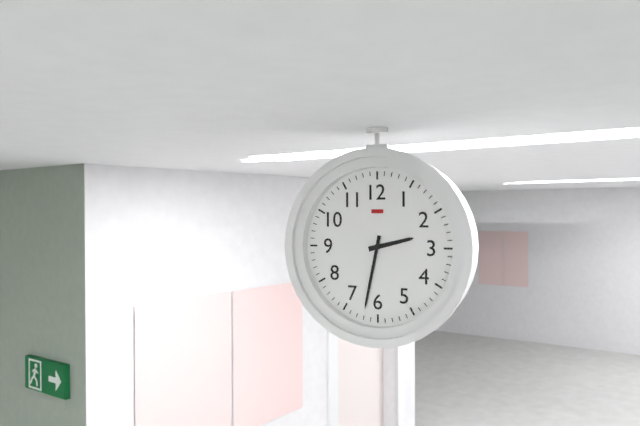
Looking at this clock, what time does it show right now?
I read 2:32
